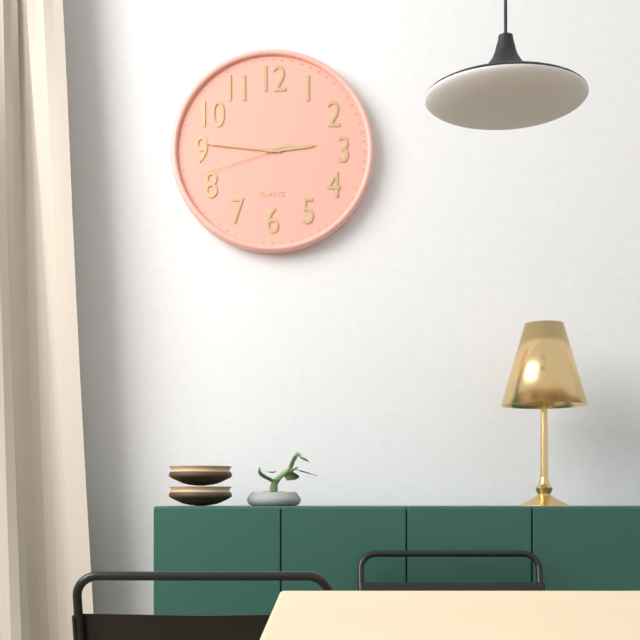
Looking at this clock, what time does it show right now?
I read 2:46:42
